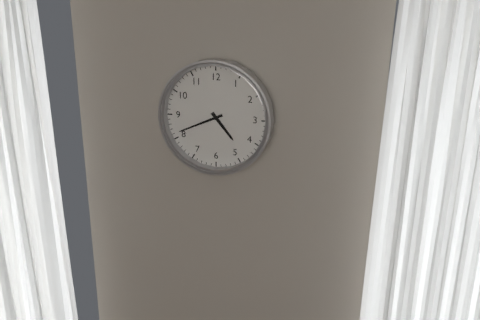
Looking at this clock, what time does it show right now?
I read 4:41
